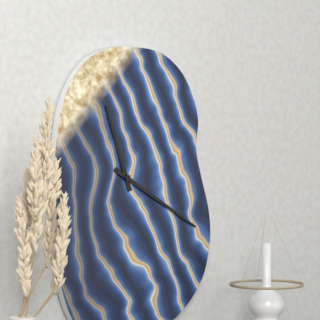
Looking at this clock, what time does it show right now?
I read 11:20
